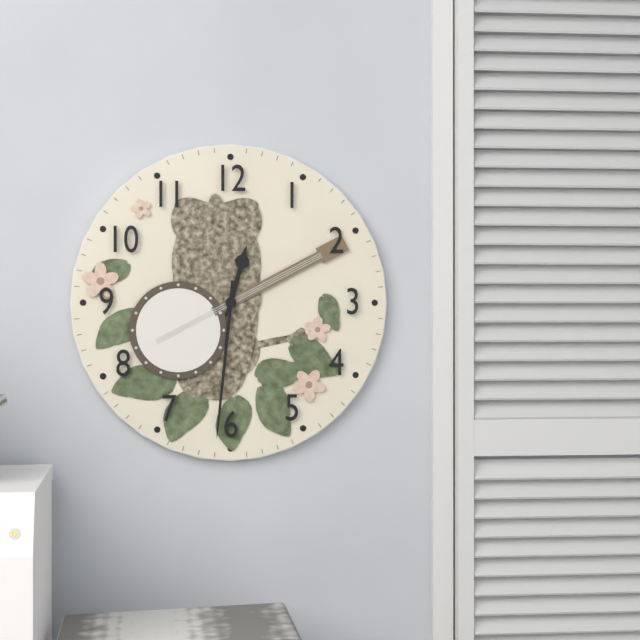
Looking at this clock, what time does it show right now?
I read 12:31
